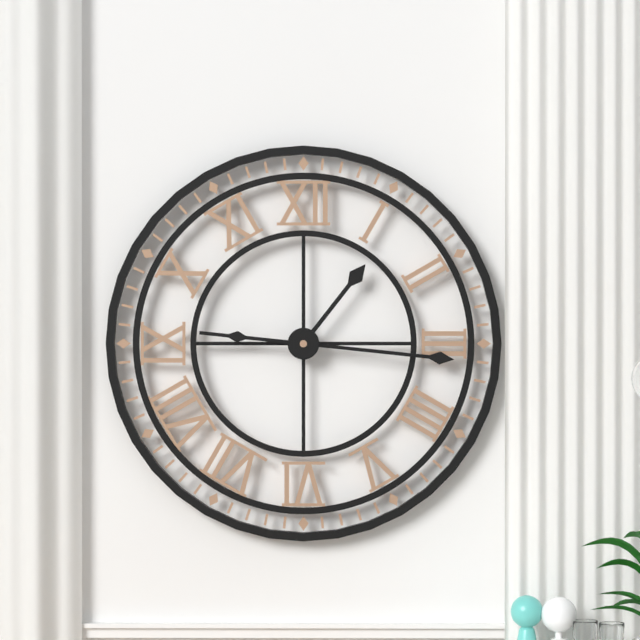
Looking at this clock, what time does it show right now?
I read 1:16
